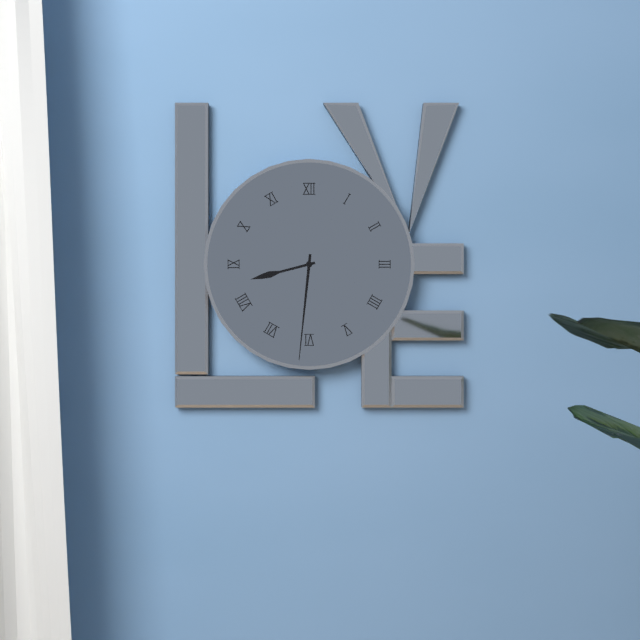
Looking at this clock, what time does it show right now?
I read 8:31
